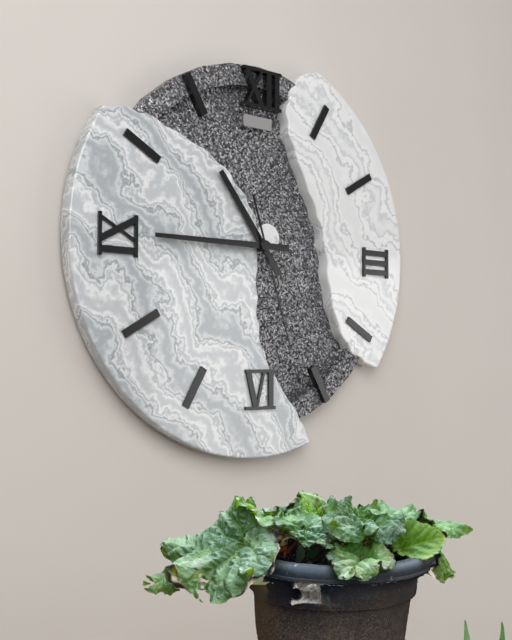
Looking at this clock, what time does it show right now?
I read 10:45:27
